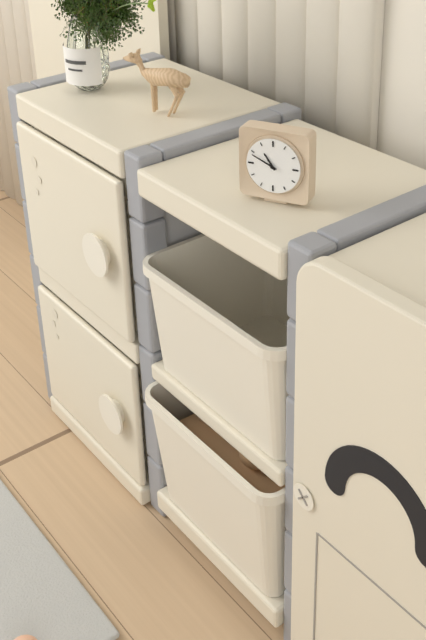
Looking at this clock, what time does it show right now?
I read 10:49
